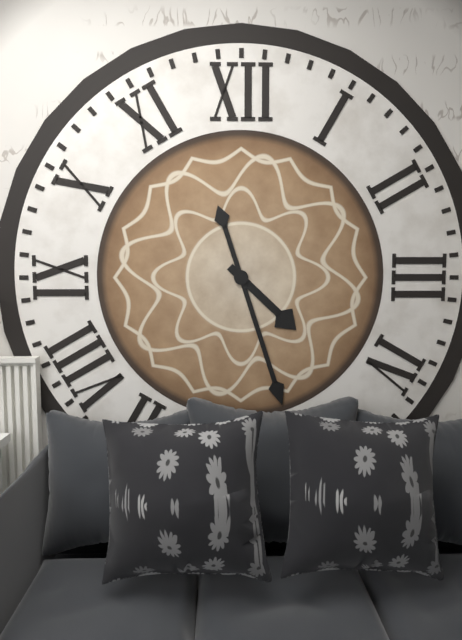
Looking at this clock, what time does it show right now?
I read 4:27
